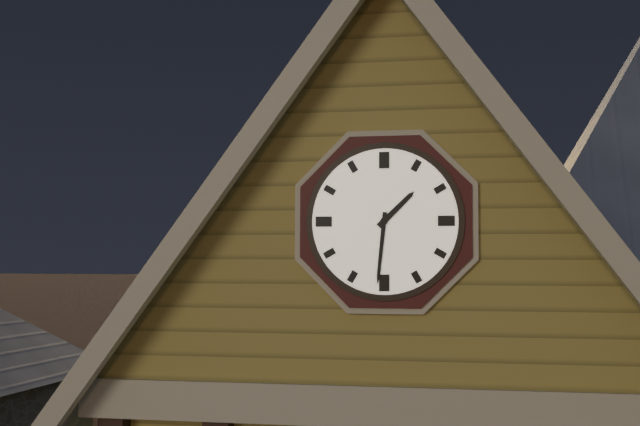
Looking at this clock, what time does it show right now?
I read 1:31
